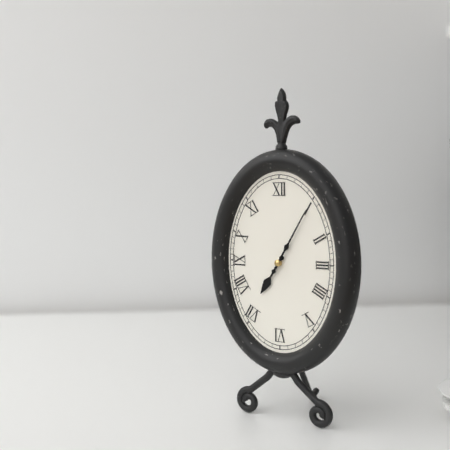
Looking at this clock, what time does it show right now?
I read 7:05
